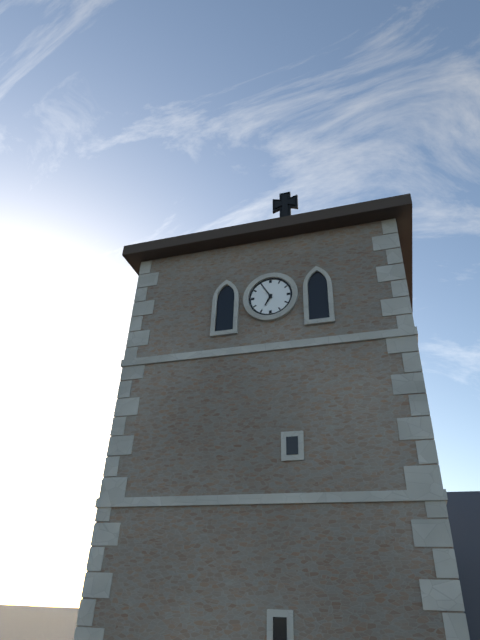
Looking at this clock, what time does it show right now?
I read 6:55
